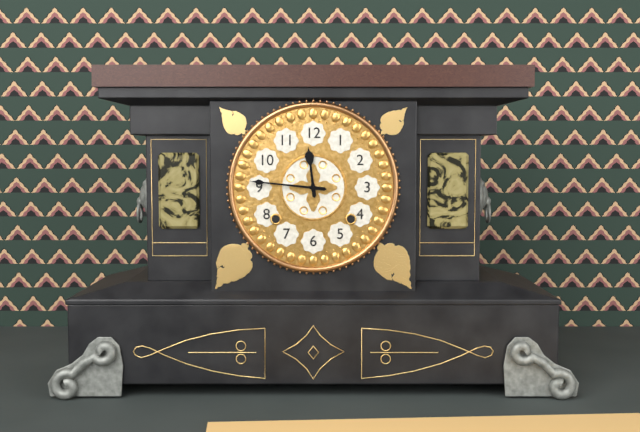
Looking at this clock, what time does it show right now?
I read 11:46
